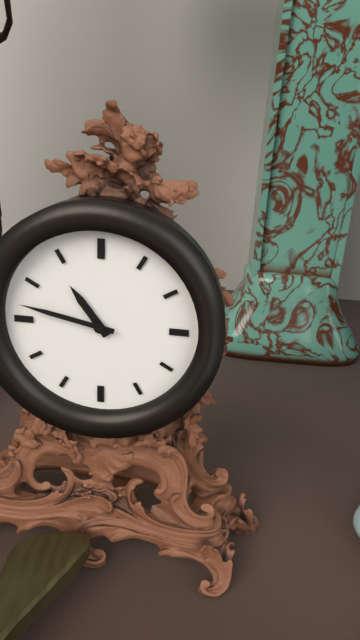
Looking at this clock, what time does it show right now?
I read 10:47
